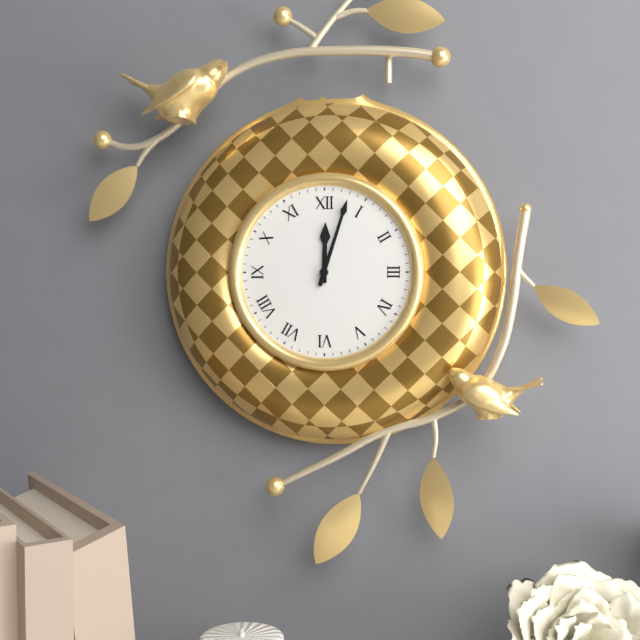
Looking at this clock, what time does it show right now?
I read 12:03
